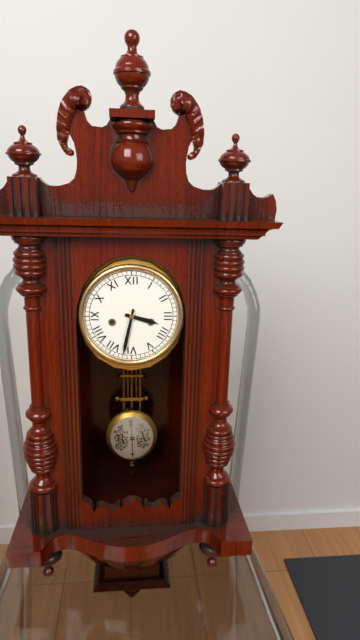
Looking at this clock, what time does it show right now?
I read 3:32
